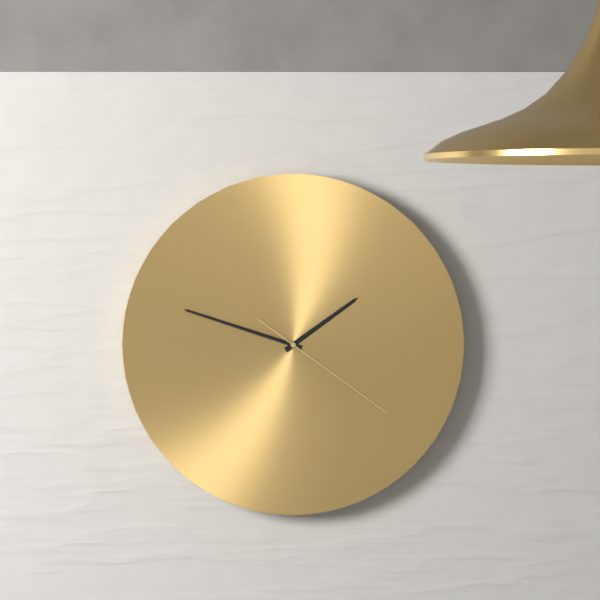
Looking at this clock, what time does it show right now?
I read 1:48:21
